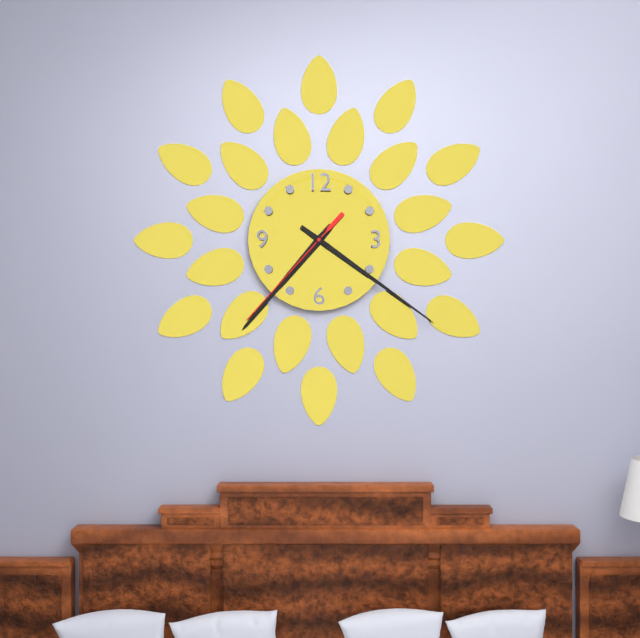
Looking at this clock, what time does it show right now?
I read 7:21:37
